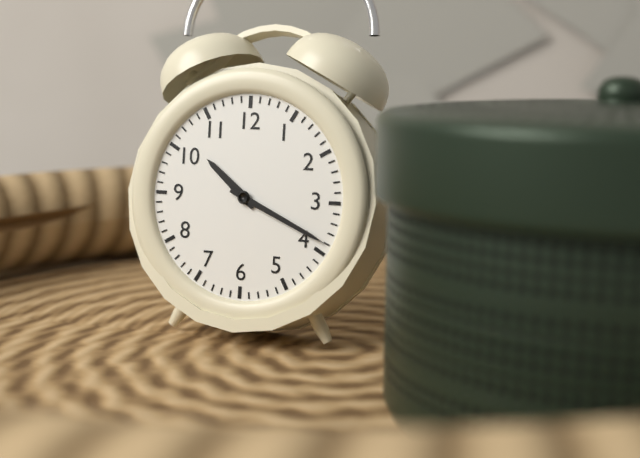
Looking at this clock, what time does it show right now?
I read 10:19
